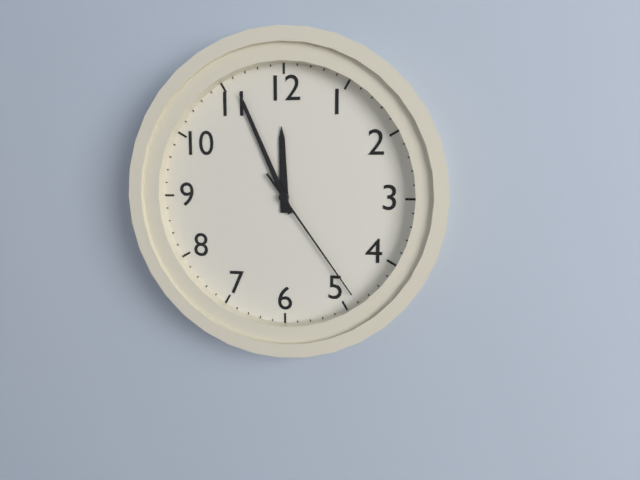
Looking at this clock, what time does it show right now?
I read 11:56:24
